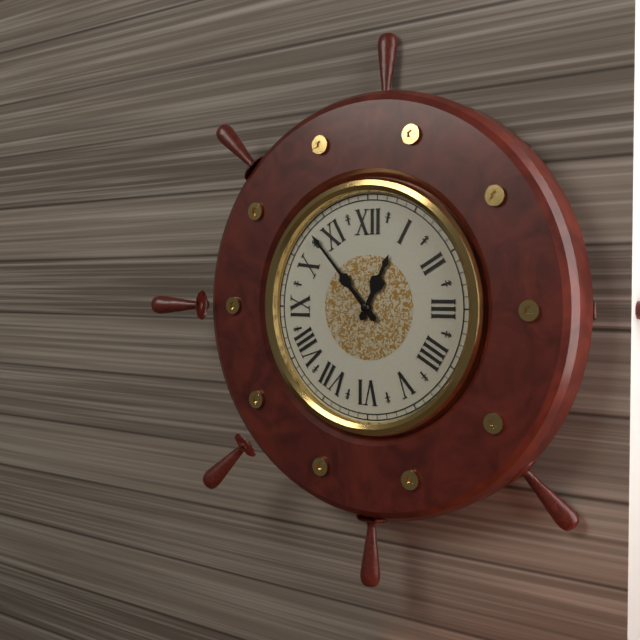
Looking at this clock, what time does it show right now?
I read 12:53
